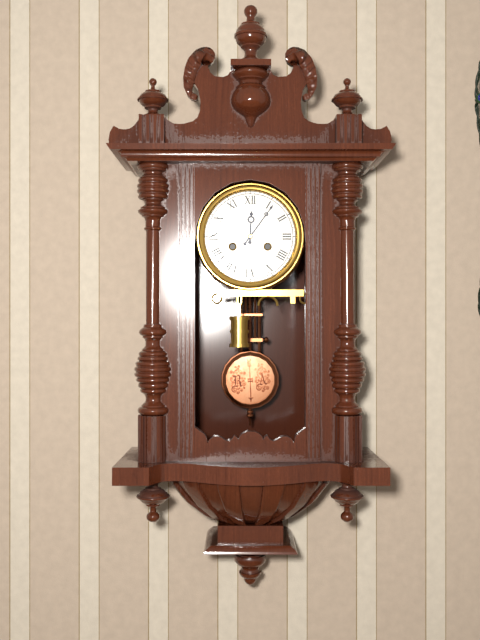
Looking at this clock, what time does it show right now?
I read 12:06
